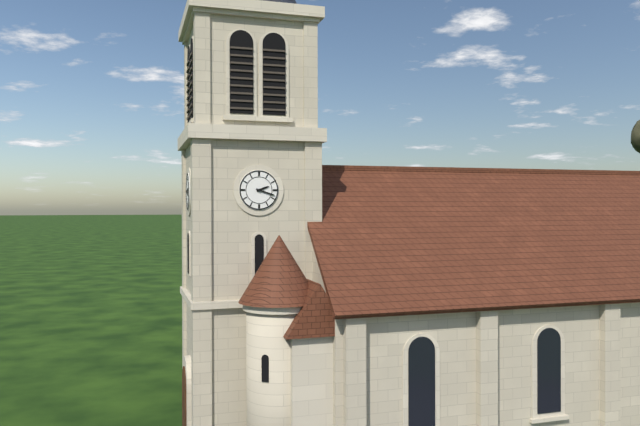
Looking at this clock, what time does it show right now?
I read 2:18
